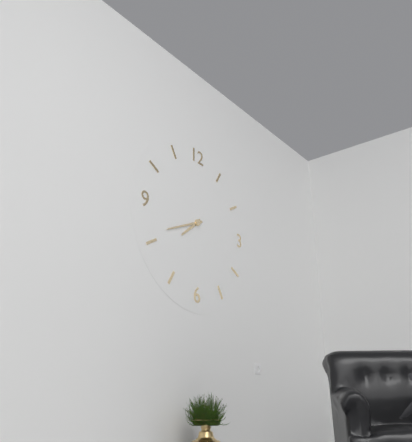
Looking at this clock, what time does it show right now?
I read 7:41
